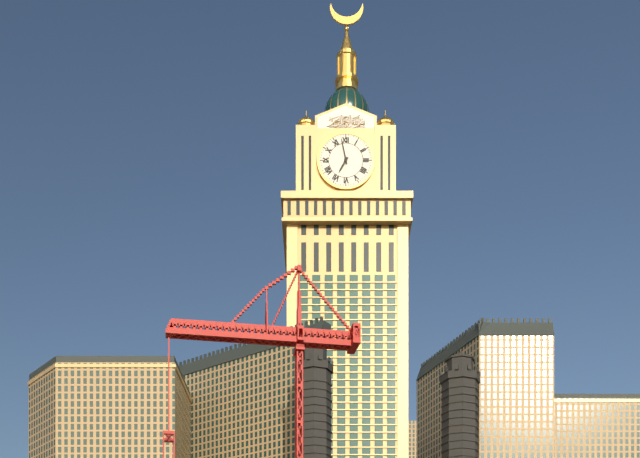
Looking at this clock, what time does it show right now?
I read 6:58
